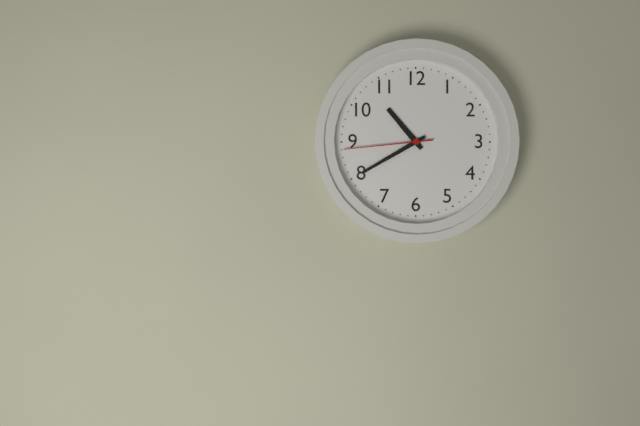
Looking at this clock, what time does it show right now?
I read 10:40:44
